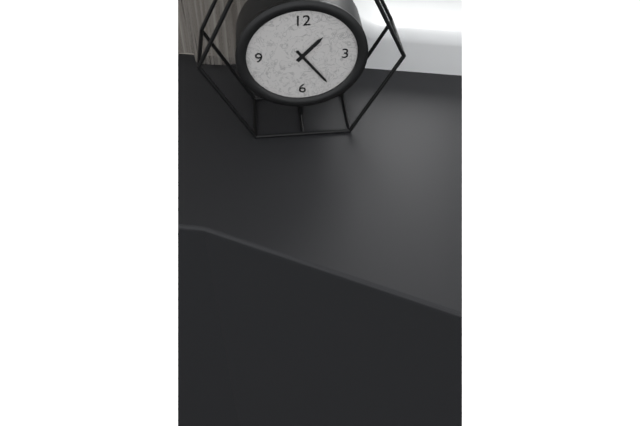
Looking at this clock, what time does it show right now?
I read 1:24
